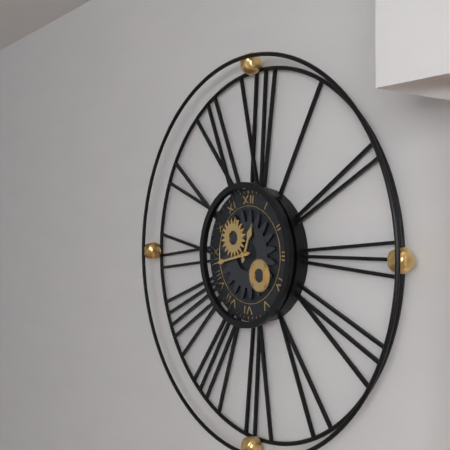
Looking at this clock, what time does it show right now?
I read 12:43
